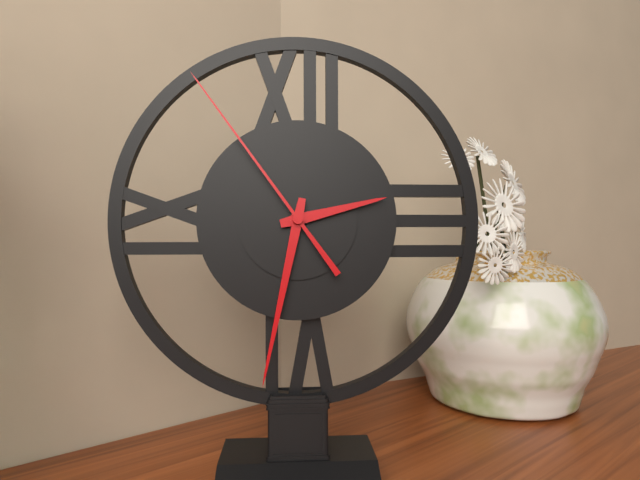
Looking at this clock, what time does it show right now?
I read 2:32:54
